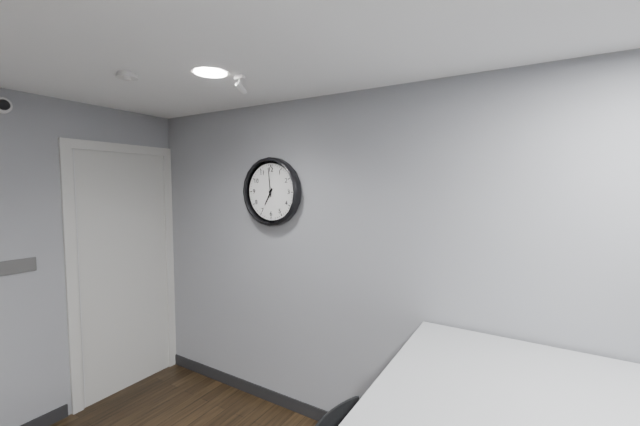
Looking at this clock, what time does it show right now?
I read 6:59
